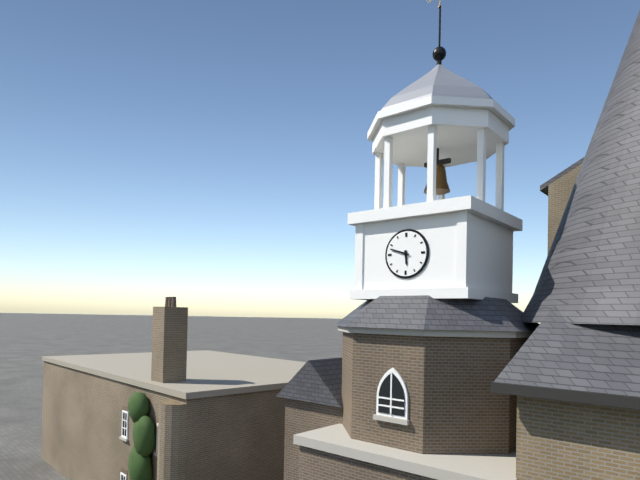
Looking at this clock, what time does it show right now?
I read 5:48
